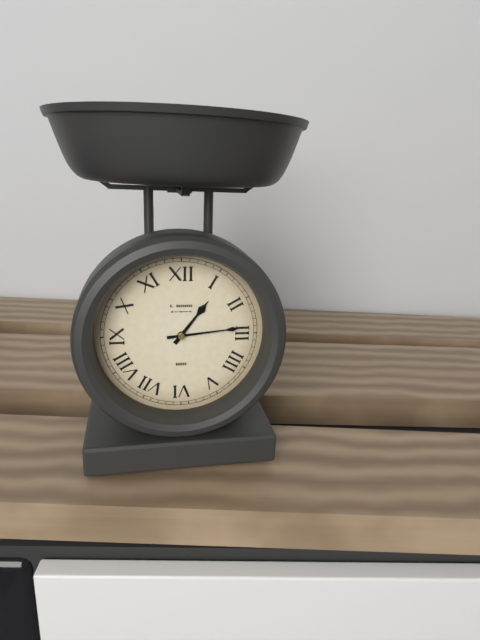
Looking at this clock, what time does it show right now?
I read 1:14
